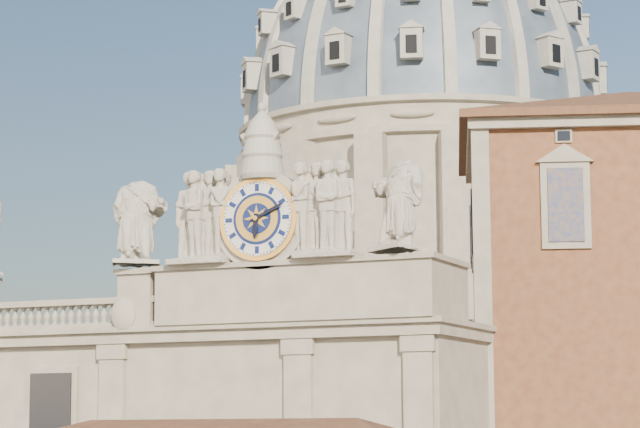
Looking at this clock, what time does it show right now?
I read 6:11
